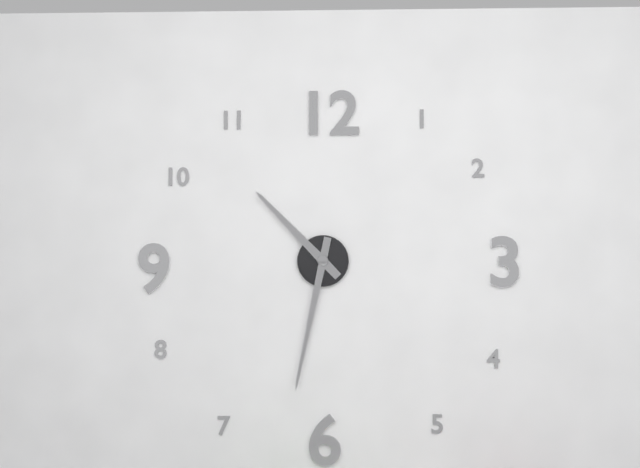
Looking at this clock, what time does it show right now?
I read 10:32
